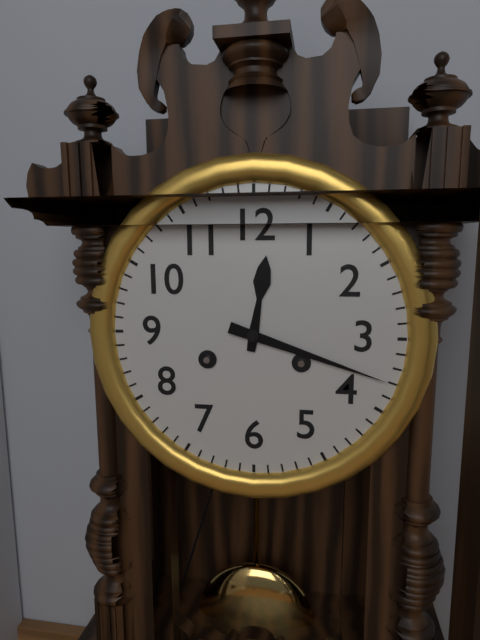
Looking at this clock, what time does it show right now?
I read 12:18
